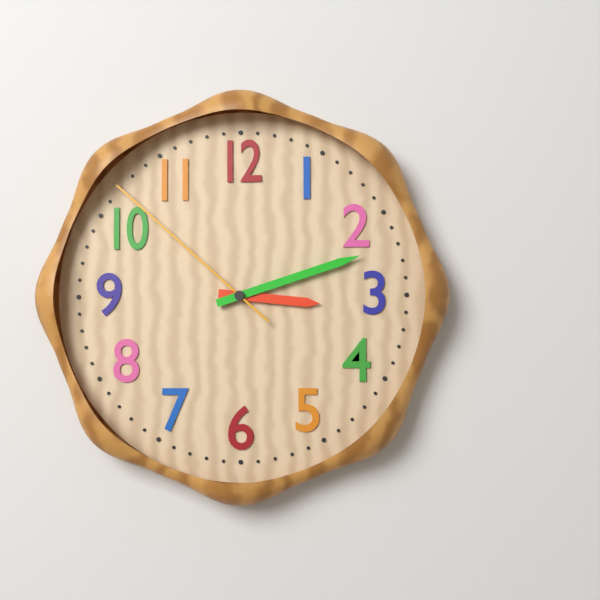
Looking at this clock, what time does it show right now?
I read 3:12:52
